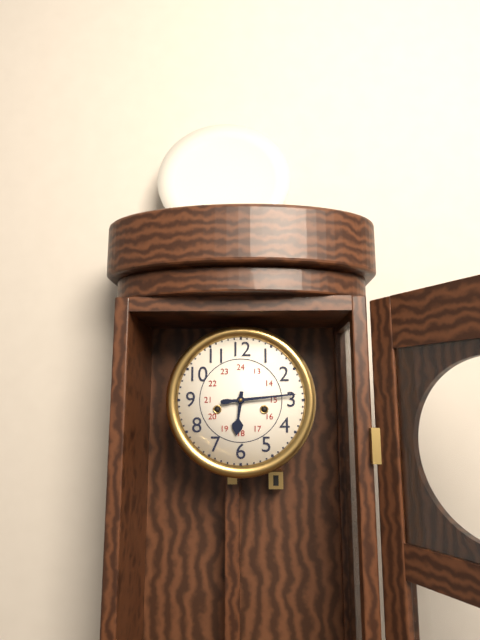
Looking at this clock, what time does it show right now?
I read 6:14
